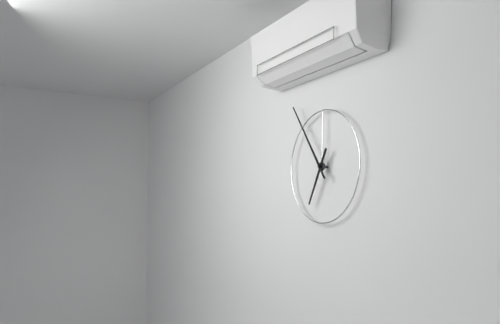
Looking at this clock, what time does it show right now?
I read 6:54
